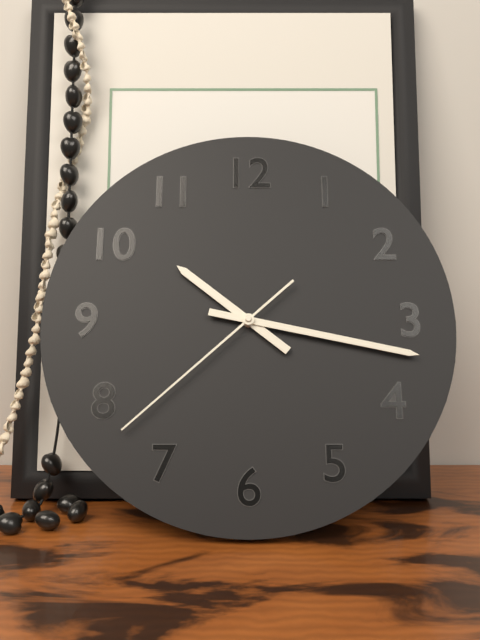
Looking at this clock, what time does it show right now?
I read 10:17:38
